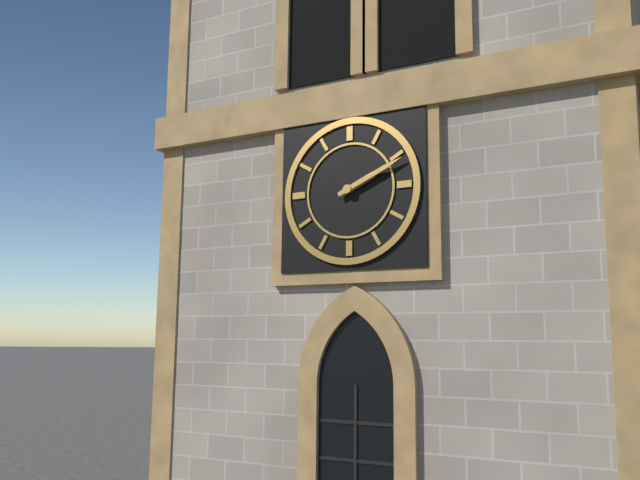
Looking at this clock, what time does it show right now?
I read 2:11
